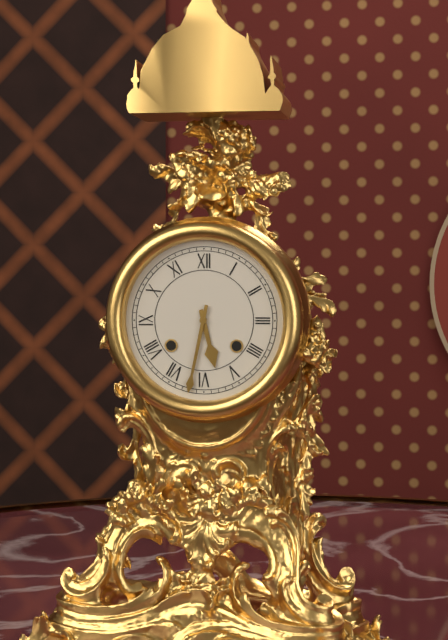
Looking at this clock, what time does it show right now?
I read 5:32
